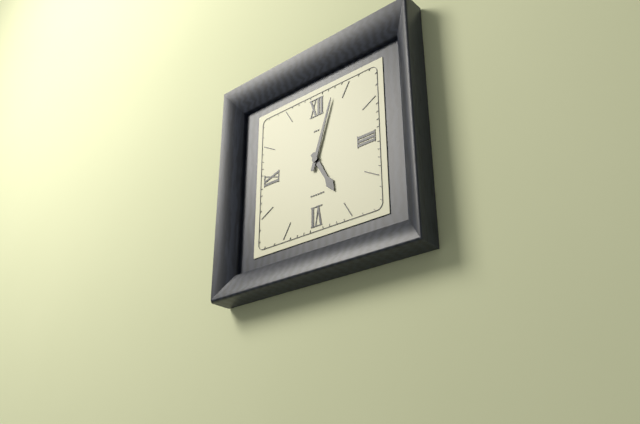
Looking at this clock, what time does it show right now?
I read 5:03
